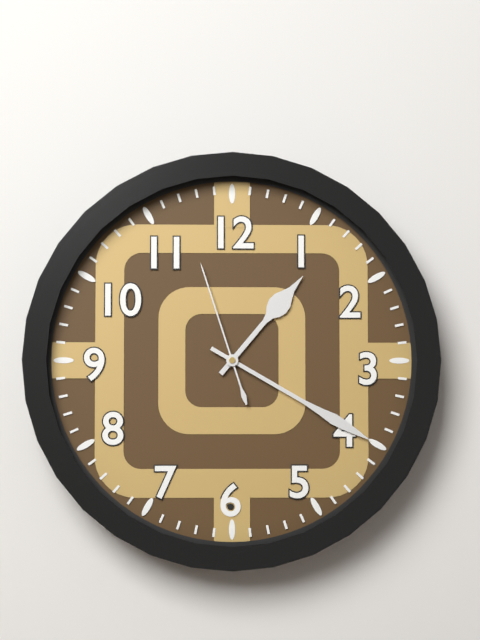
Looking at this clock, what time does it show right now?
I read 1:20:57
